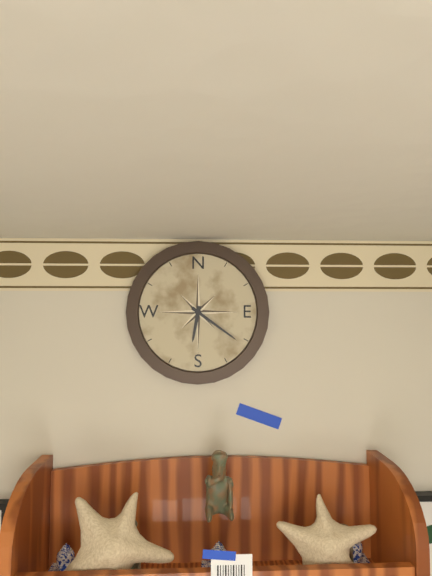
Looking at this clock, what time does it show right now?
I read 6:21
